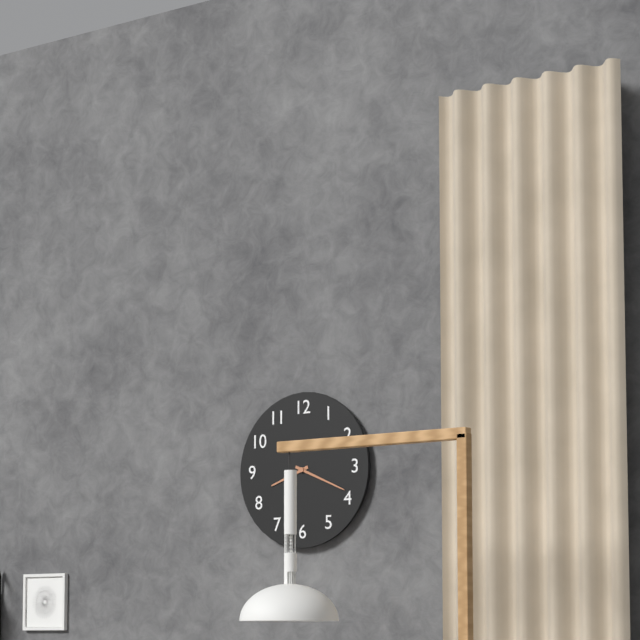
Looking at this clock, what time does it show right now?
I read 8:19
